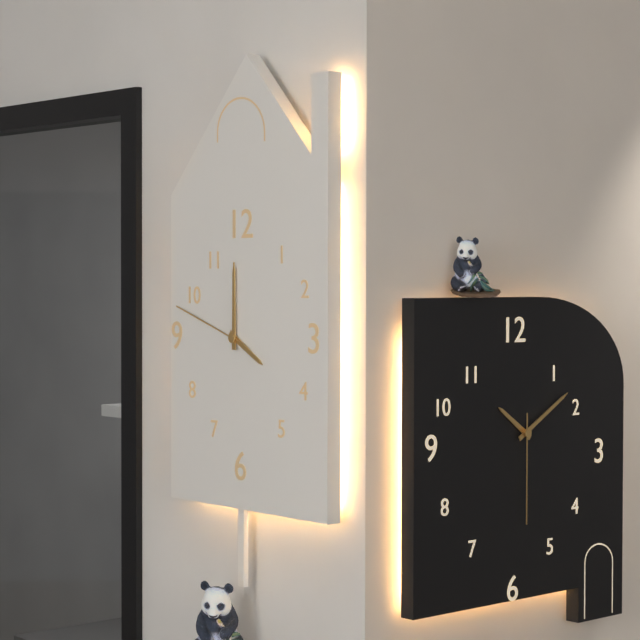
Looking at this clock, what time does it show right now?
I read 4:00:48
